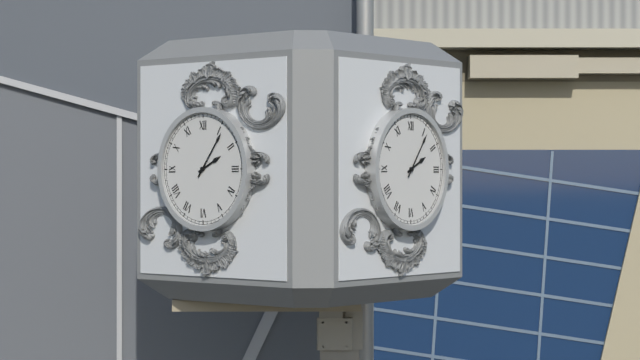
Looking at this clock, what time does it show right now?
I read 2:06
